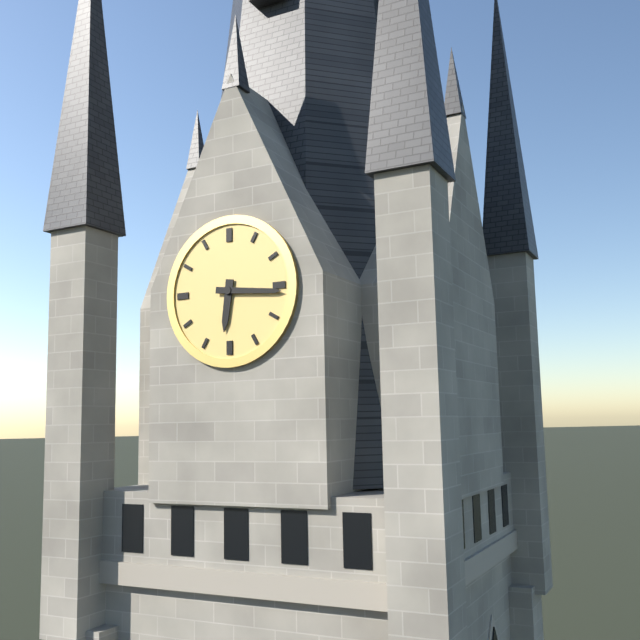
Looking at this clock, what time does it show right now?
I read 6:16
